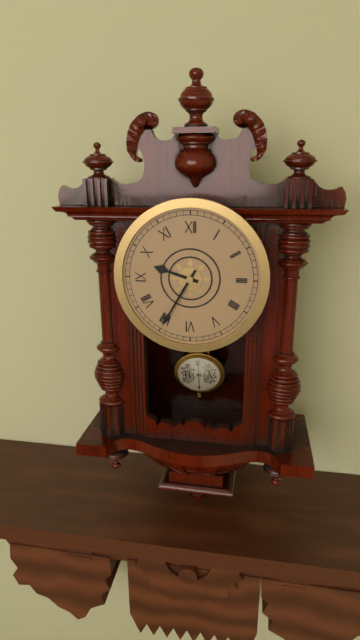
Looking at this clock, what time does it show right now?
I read 9:35
